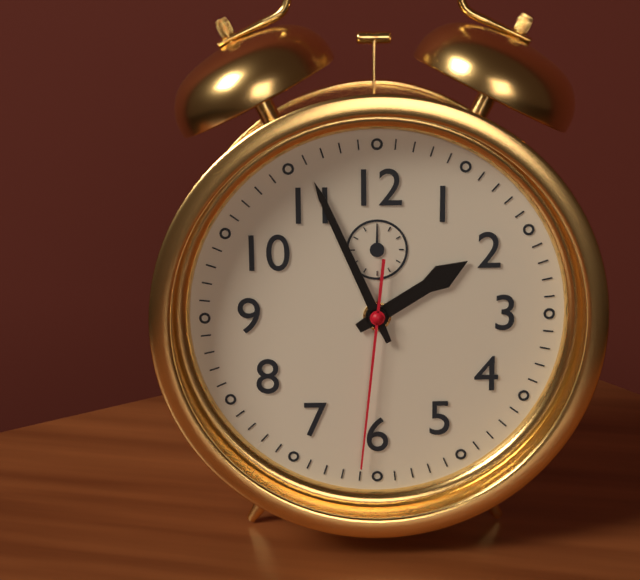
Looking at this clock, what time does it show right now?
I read 1:56:31
